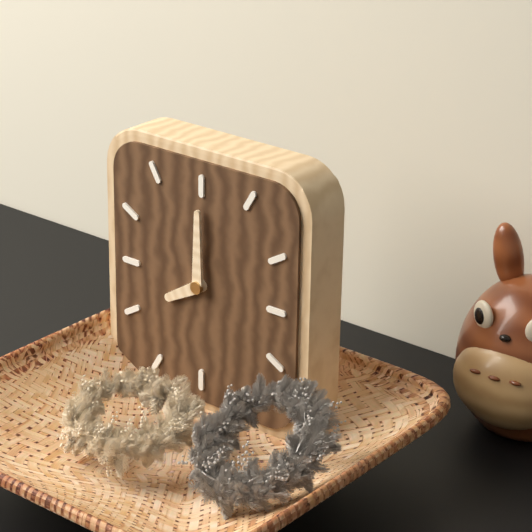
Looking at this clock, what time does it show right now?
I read 8:00
